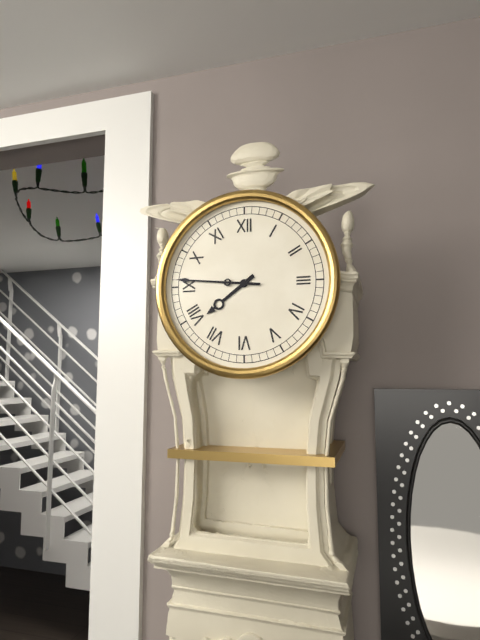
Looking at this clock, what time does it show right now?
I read 7:46
